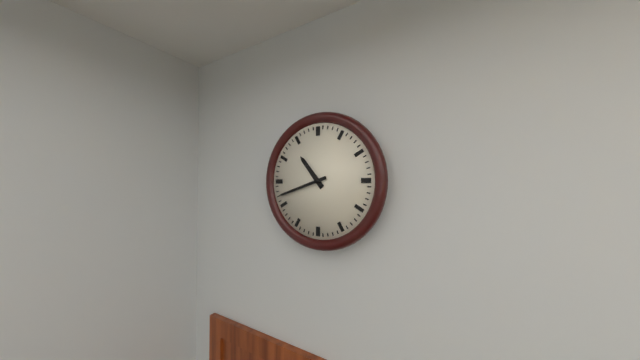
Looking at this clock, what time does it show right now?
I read 10:42
